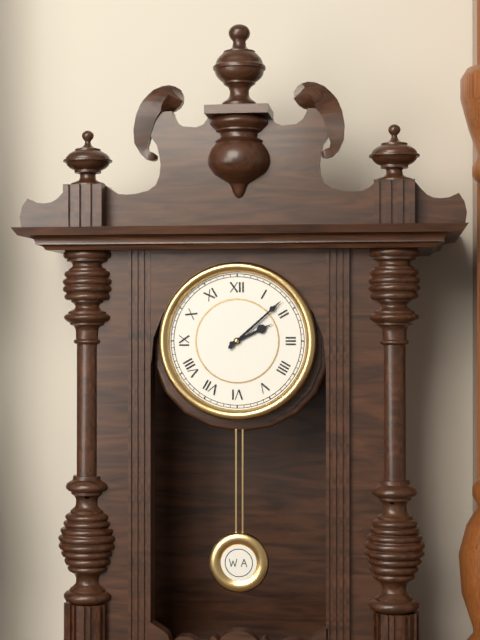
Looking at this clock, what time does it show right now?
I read 2:08
